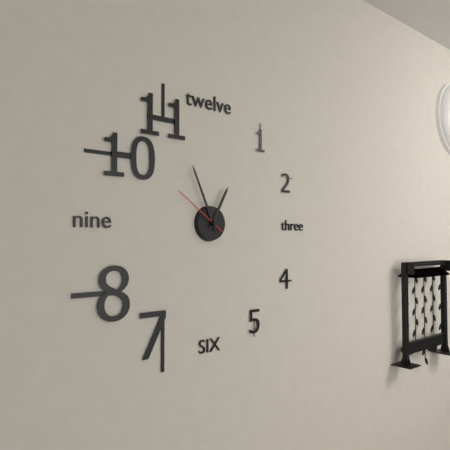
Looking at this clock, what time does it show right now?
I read 12:56:51
